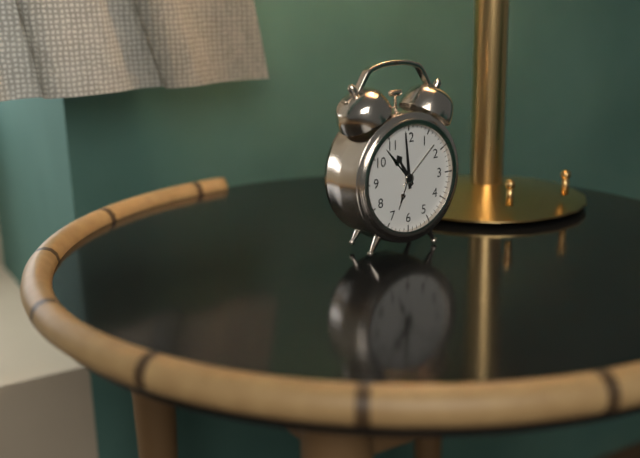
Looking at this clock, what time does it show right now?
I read 10:59
